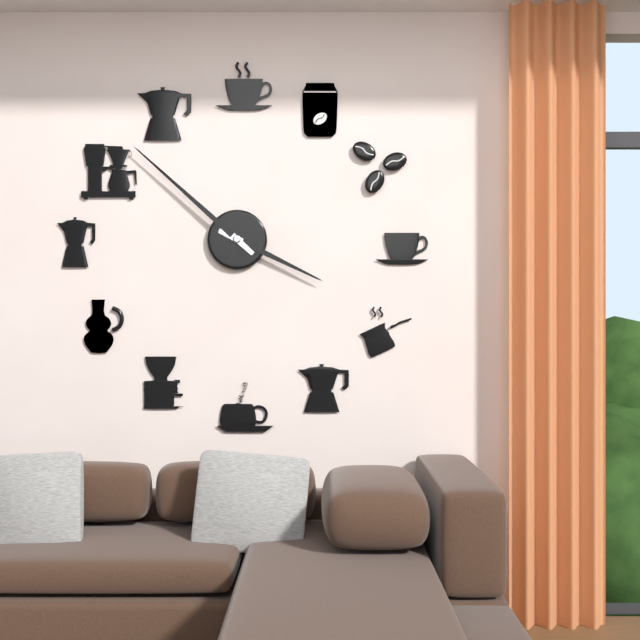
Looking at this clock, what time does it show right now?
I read 3:52
